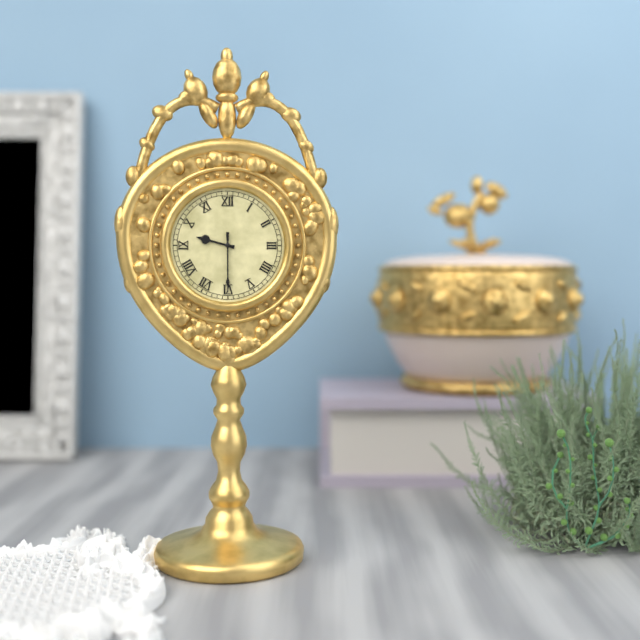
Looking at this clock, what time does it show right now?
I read 9:30
